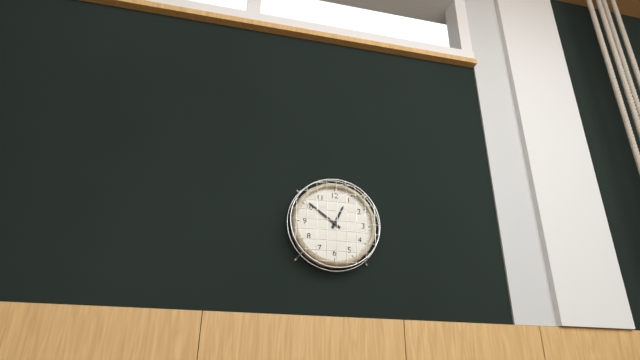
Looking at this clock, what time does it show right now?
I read 12:51
